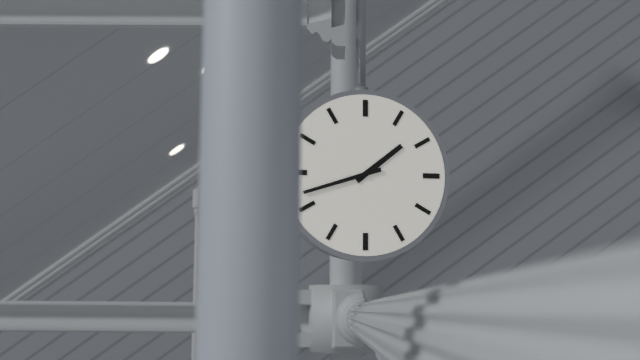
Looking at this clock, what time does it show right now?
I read 1:42
